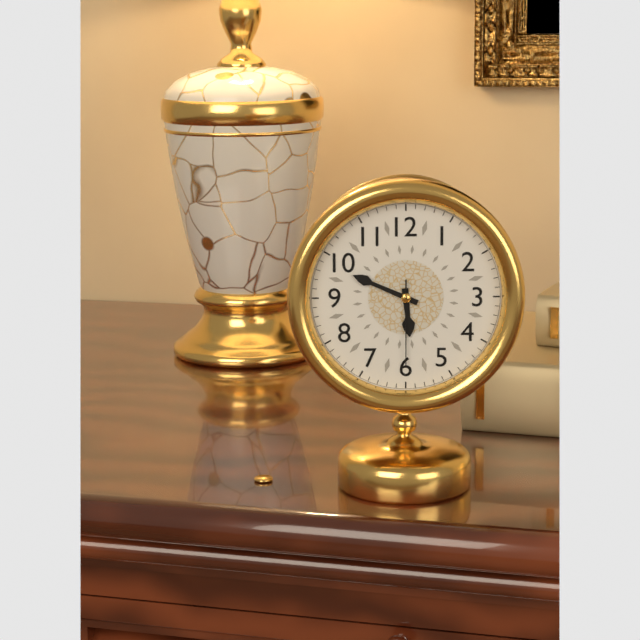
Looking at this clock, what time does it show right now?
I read 5:49:30
